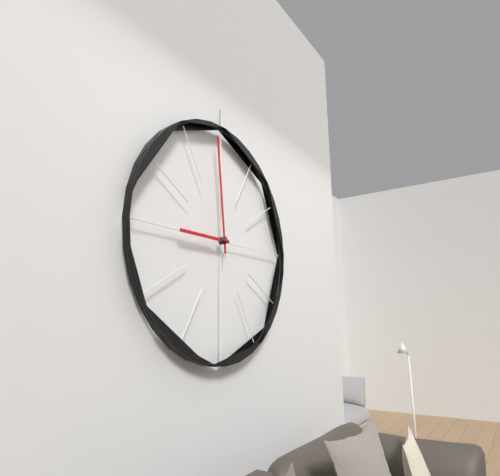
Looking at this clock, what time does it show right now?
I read 8:59
